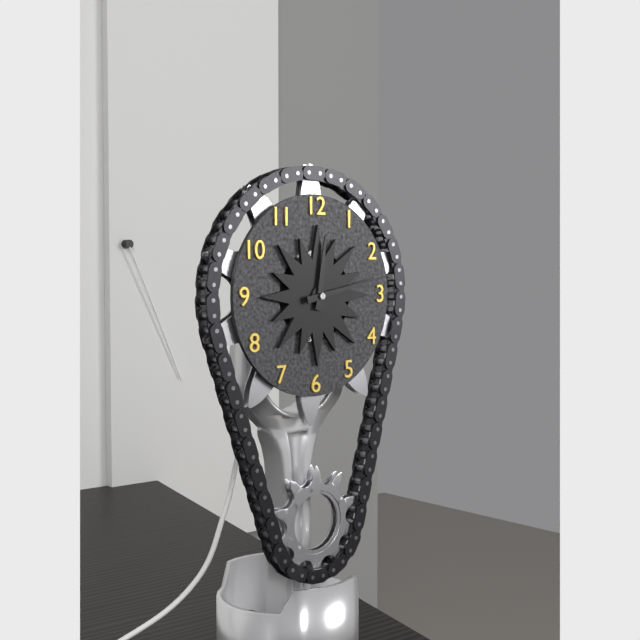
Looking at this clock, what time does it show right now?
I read 12:13
